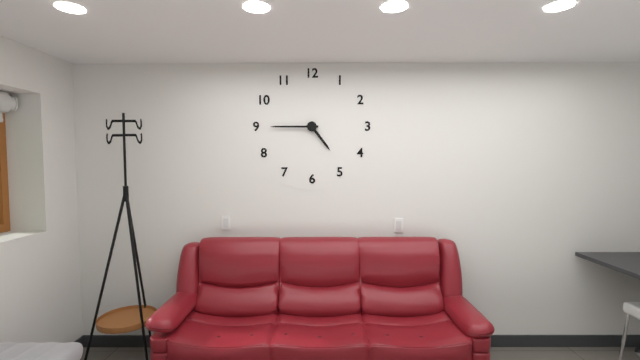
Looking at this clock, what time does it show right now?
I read 4:45
